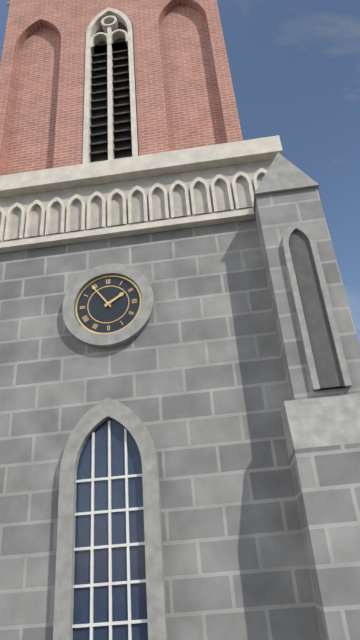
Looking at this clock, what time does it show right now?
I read 1:54
